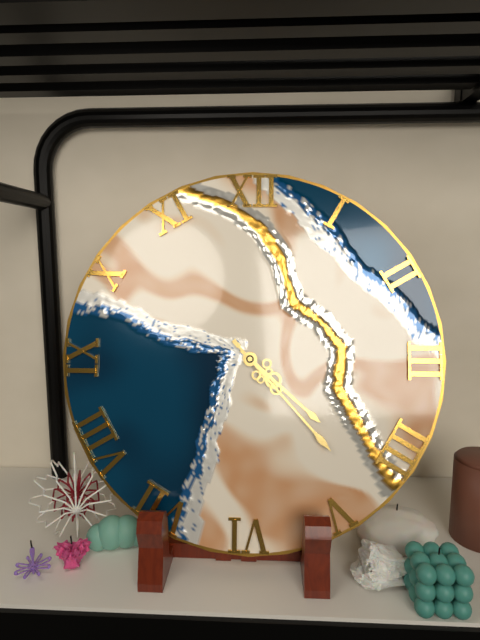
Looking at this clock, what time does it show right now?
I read 4:23
